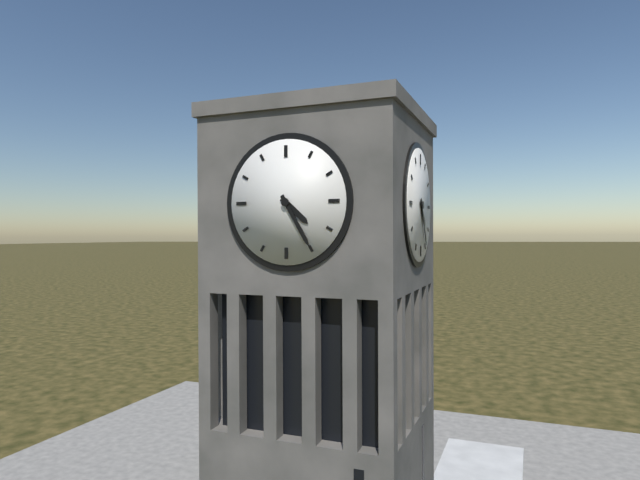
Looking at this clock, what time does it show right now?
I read 4:25
